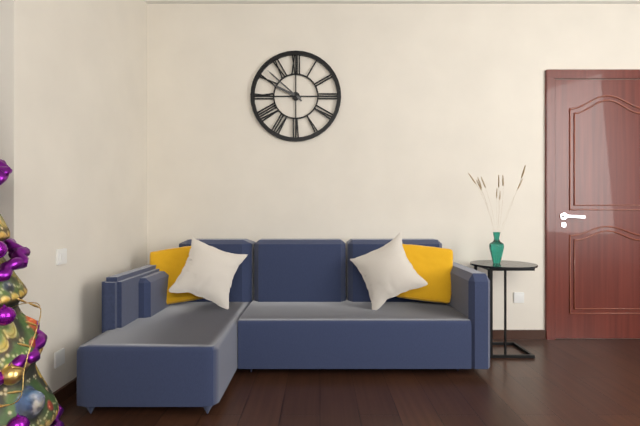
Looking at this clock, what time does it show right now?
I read 9:52
